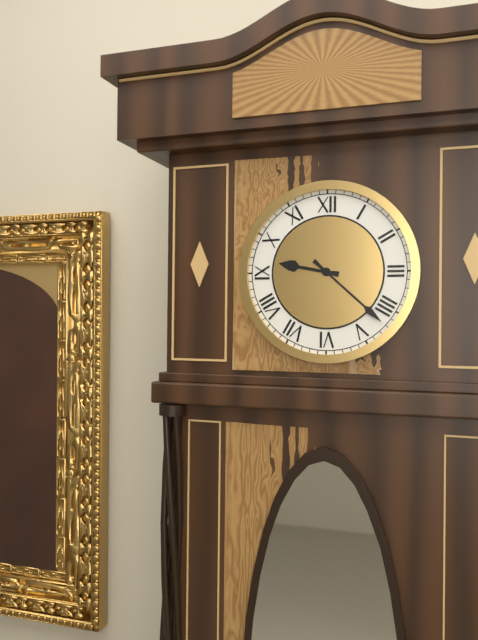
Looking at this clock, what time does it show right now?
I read 9:22
